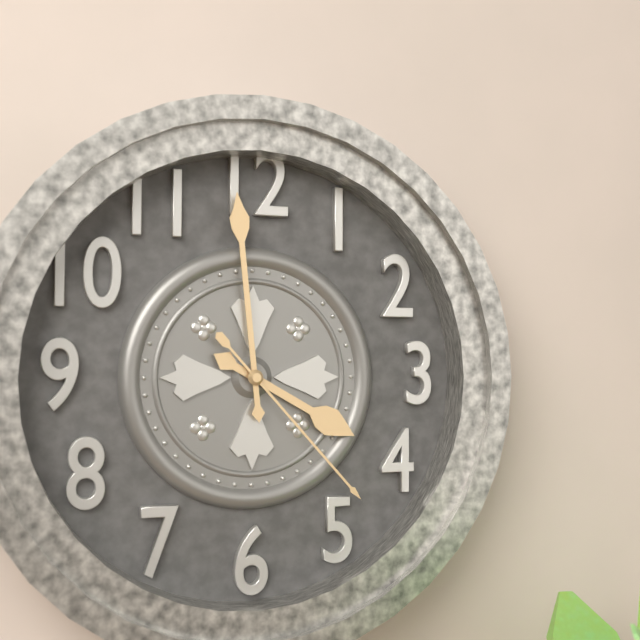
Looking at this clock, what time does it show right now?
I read 3:59:23
